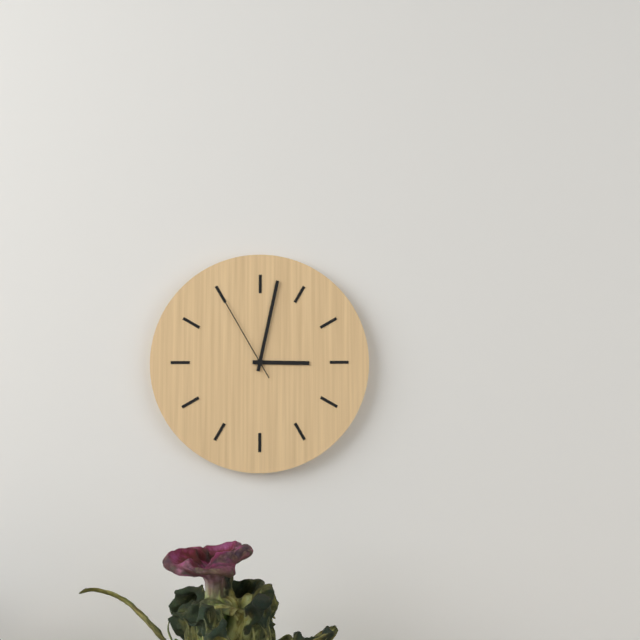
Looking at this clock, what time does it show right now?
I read 3:02:55
